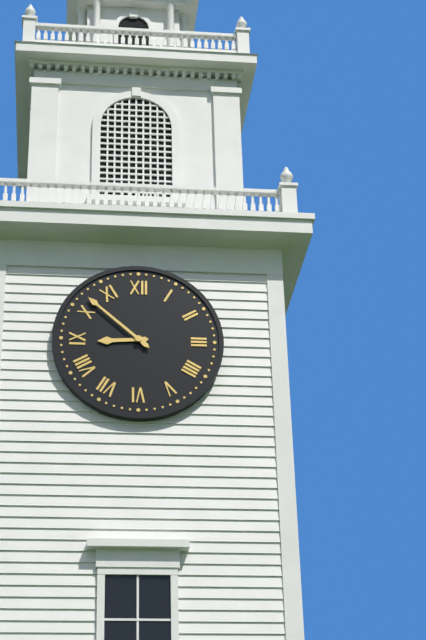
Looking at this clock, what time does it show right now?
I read 8:52
